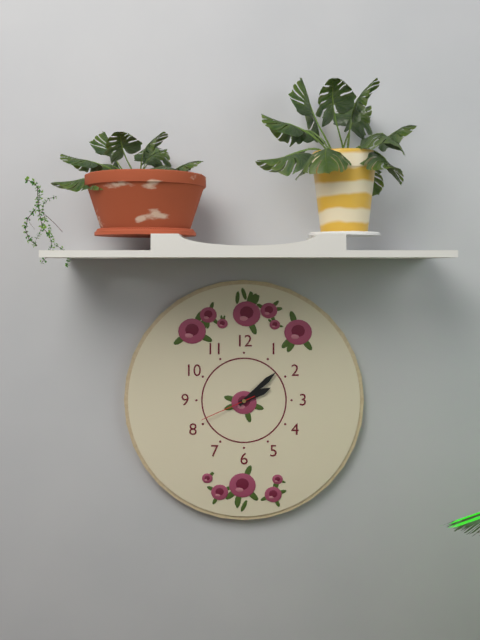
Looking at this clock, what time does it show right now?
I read 2:08:41
